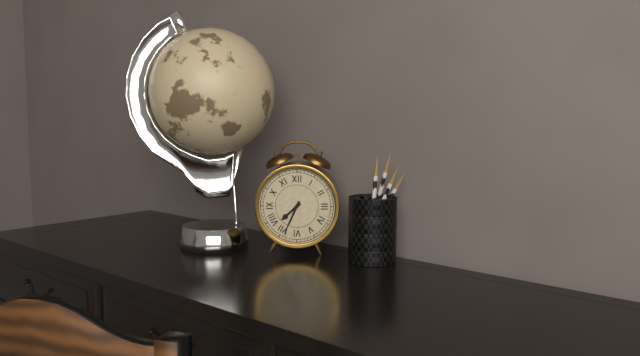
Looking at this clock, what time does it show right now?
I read 7:34
